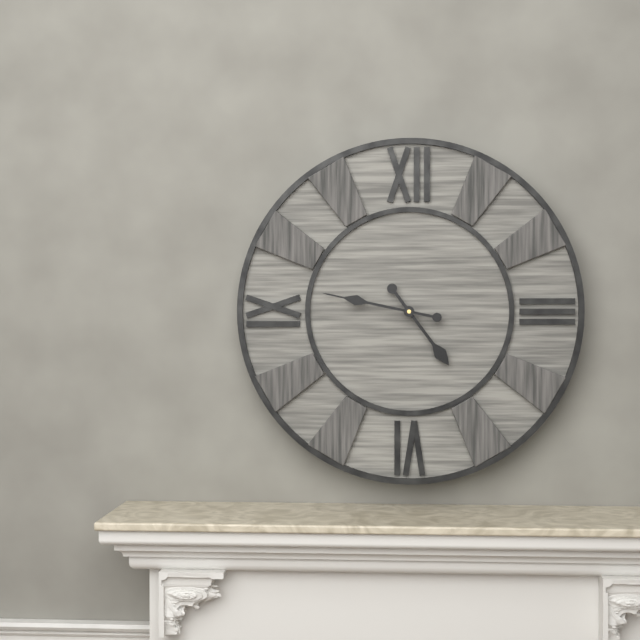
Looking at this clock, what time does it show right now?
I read 4:47
